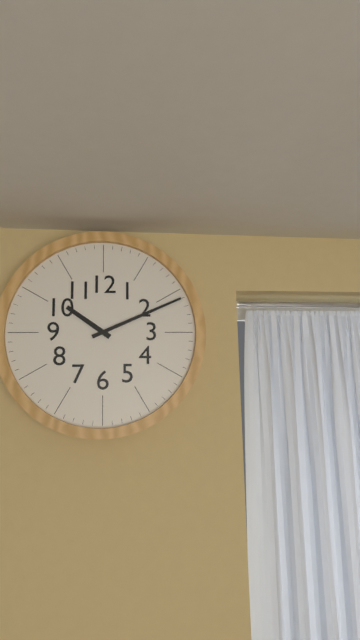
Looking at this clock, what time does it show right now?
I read 10:11
